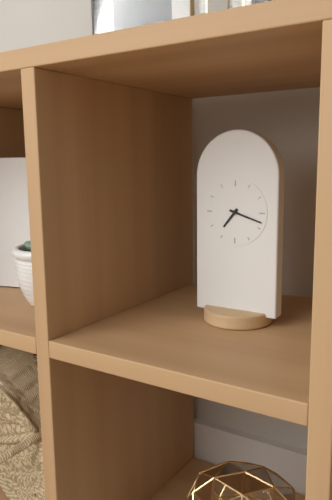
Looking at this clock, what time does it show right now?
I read 7:18
